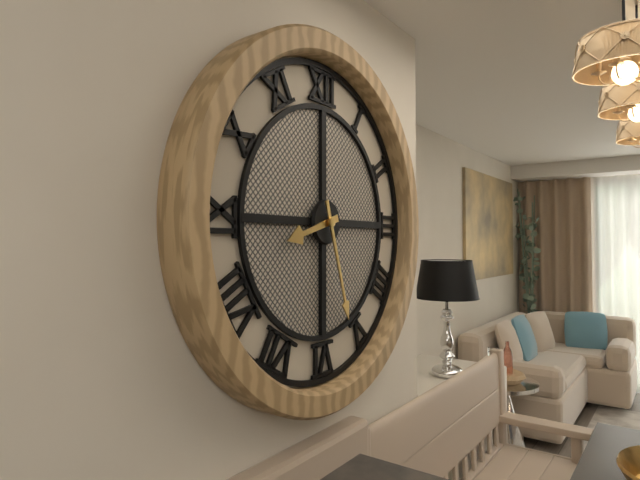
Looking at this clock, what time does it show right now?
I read 8:27
